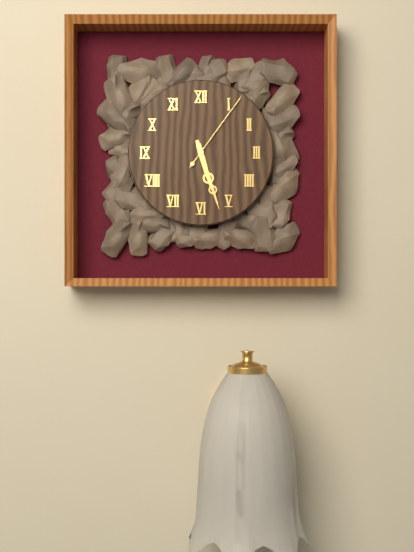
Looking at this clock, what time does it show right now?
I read 5:27:06
